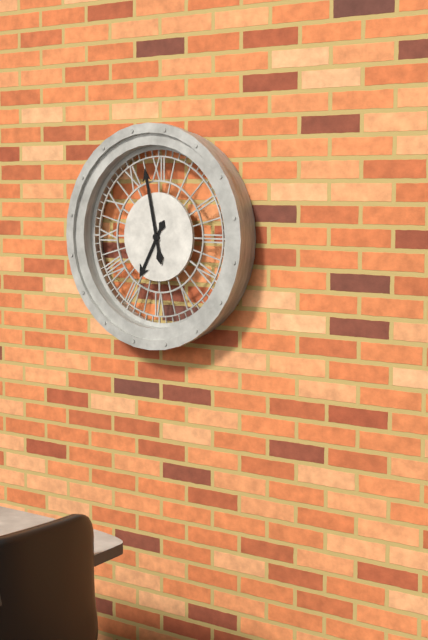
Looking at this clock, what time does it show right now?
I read 6:58
